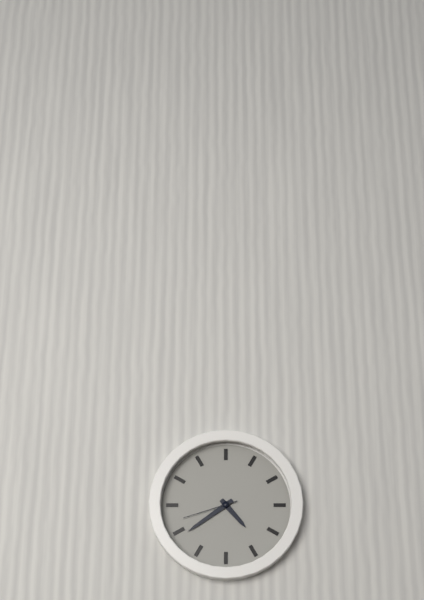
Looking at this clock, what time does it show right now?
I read 4:39:42
